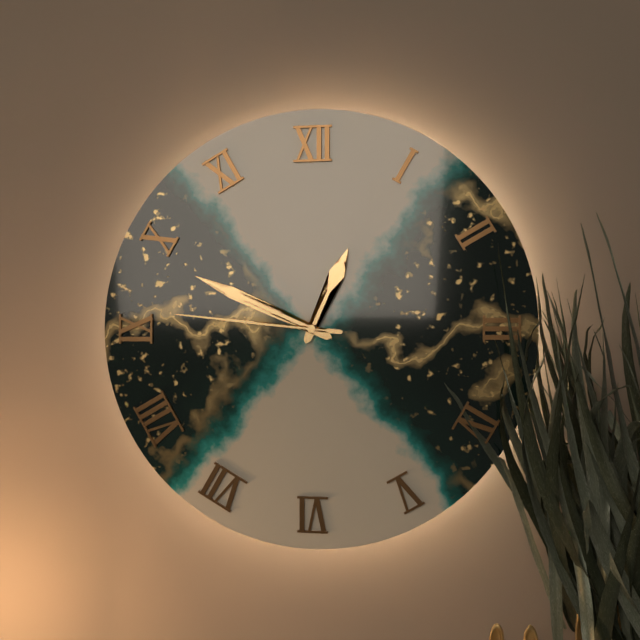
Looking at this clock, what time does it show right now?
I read 12:49:46
